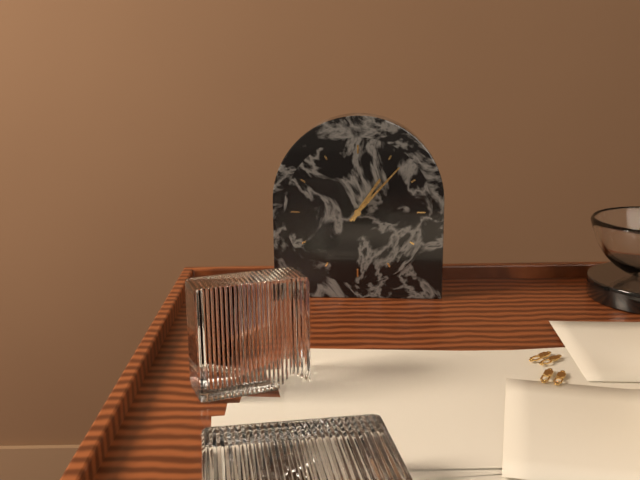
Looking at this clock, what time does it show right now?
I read 1:07
